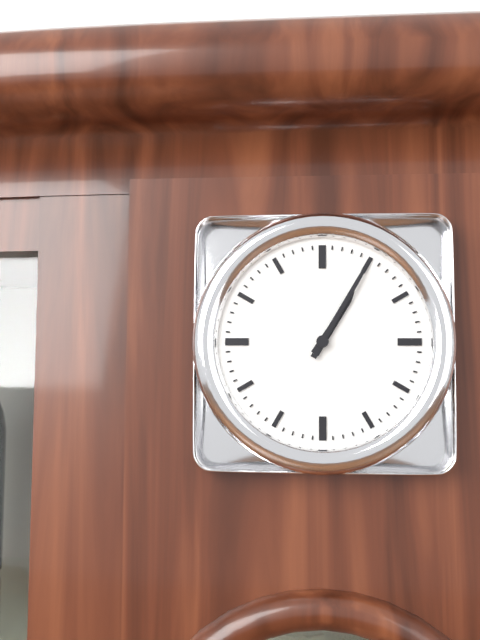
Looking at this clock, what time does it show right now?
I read 1:05
